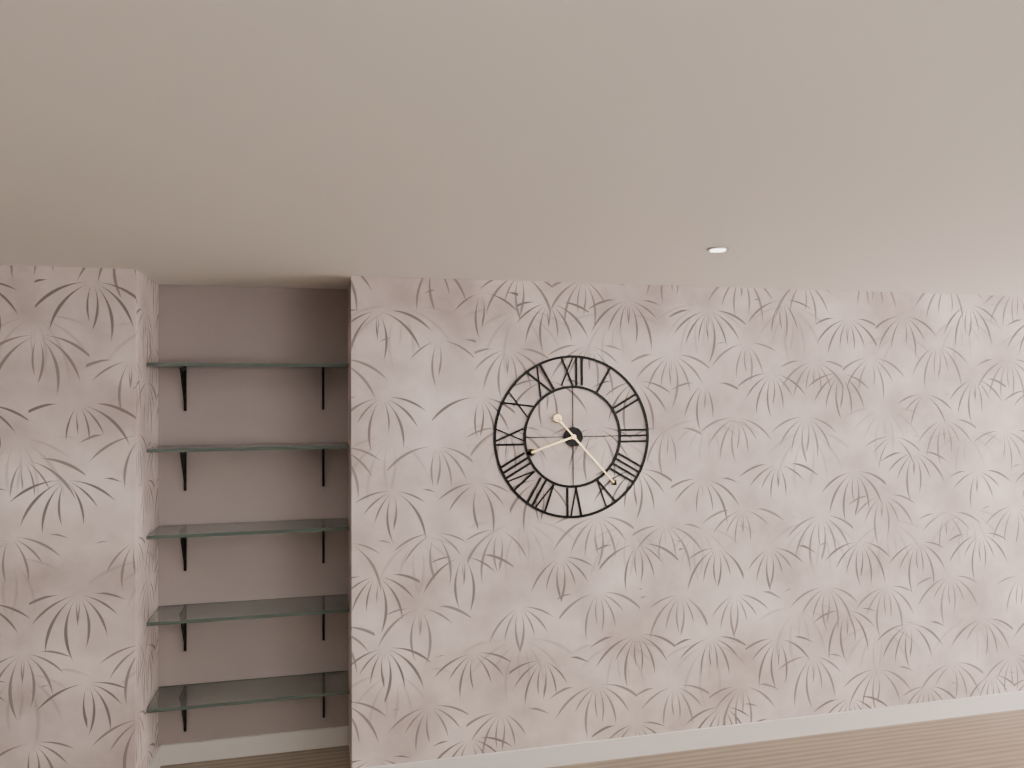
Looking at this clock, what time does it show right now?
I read 8:23
